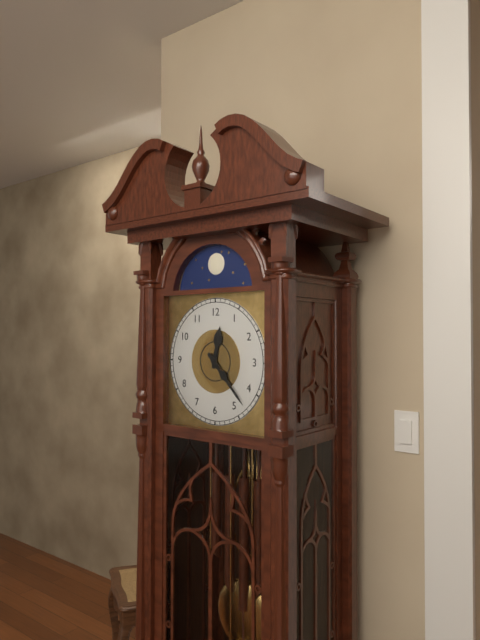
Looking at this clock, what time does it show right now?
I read 12:23
